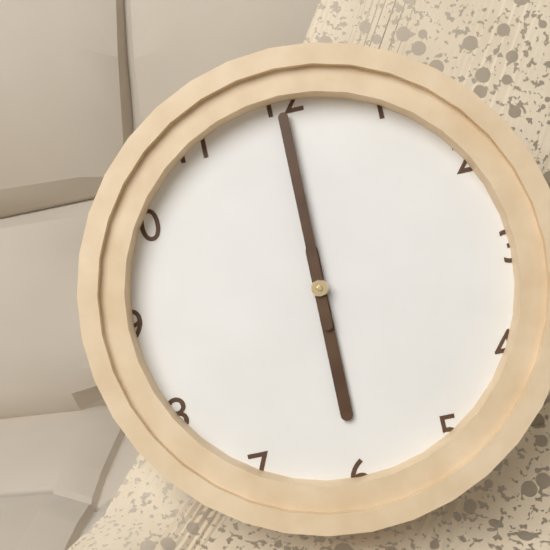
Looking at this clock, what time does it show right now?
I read 6:00
